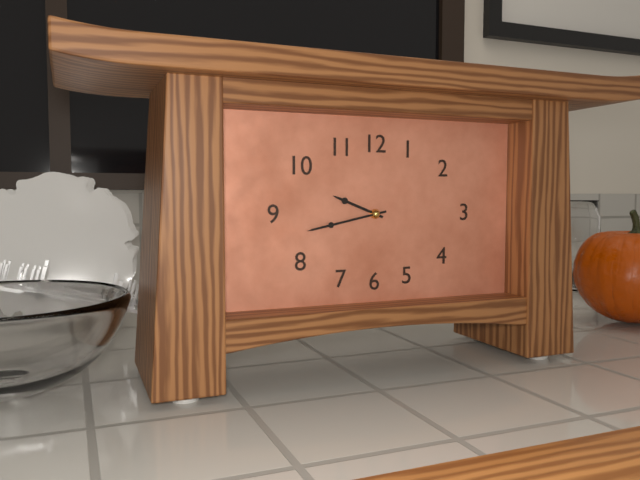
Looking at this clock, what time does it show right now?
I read 9:43
